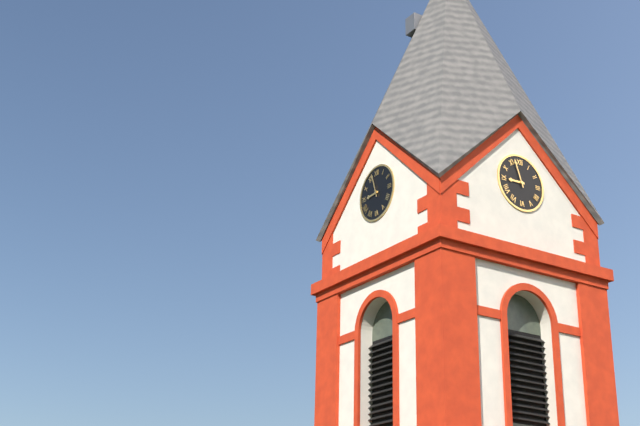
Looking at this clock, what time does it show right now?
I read 8:57
